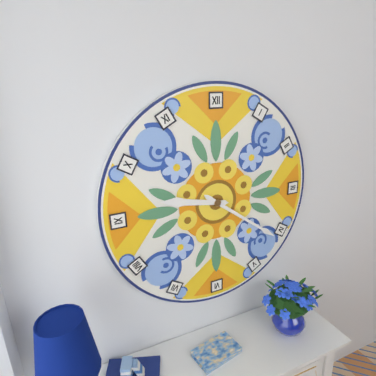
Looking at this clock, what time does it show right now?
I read 9:21
